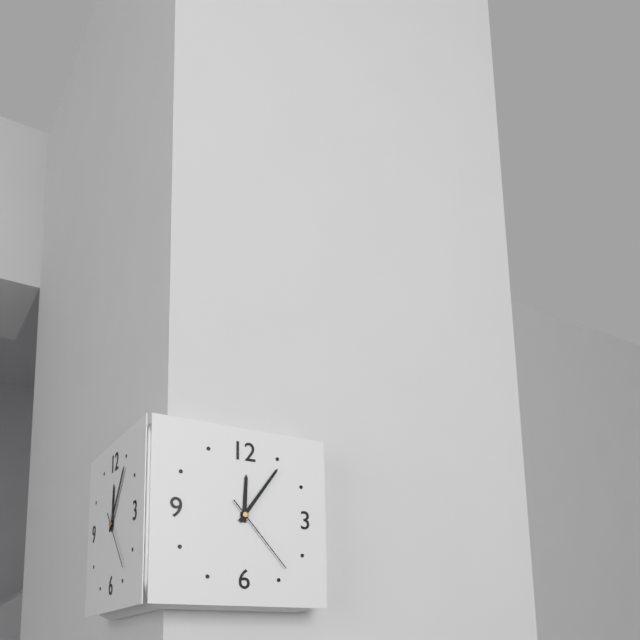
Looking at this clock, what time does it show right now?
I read 12:06:23
